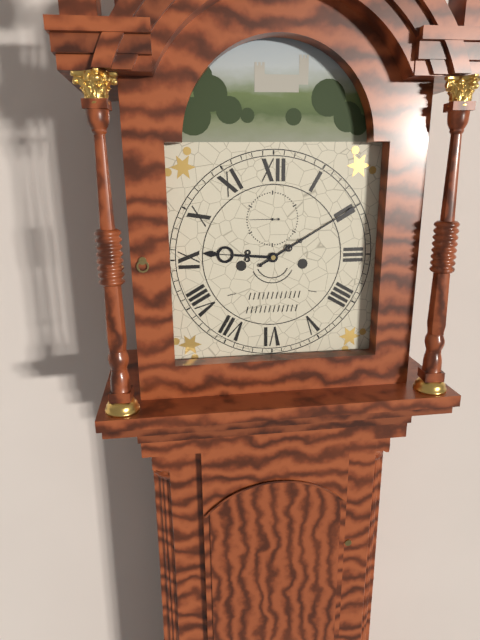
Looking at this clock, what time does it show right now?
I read 9:10
